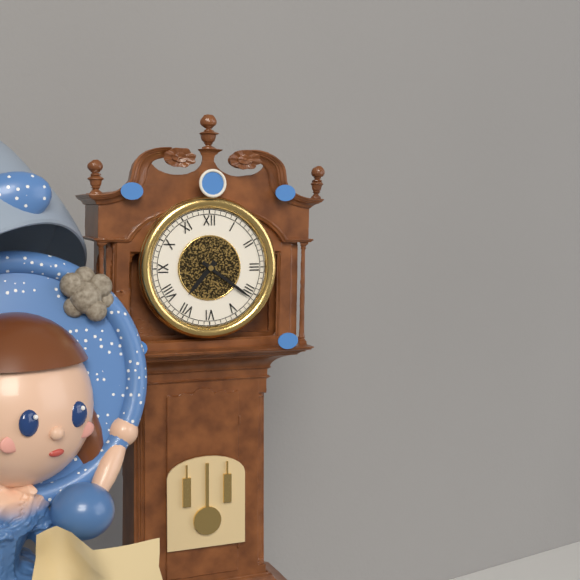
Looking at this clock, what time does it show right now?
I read 7:21
